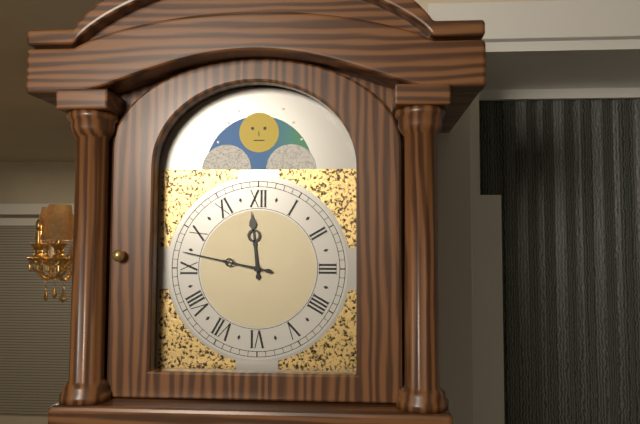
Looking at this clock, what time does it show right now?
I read 11:47
